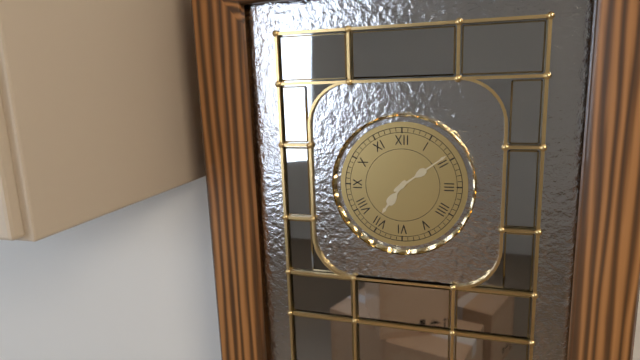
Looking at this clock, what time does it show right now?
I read 7:09
